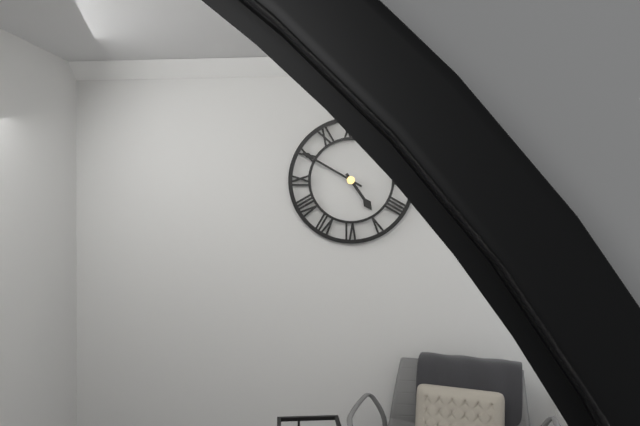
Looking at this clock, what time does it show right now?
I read 4:50
